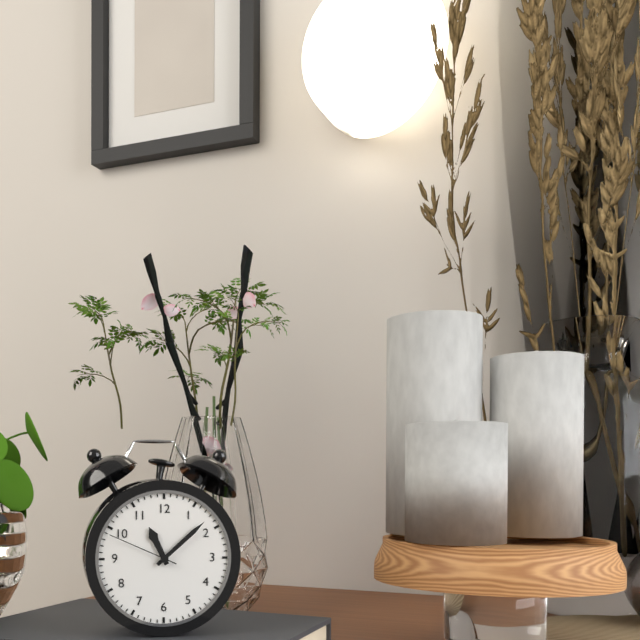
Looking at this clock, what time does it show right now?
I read 11:08:49
